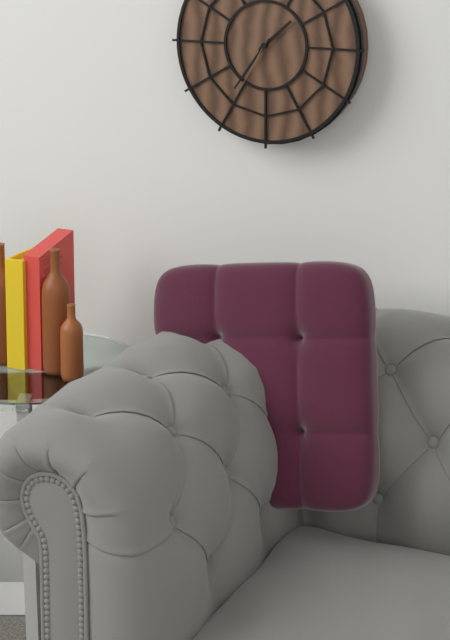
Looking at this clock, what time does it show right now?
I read 1:36:35
